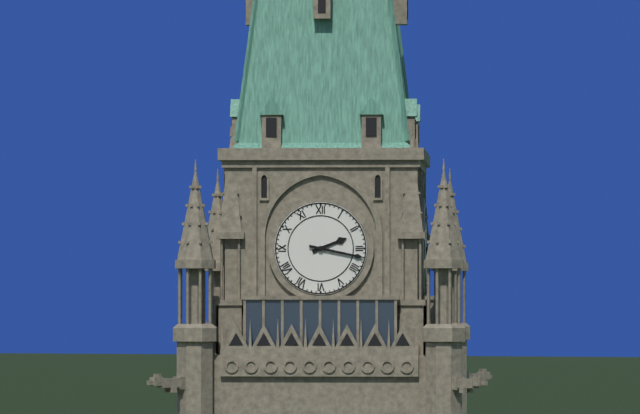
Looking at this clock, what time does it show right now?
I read 2:17
